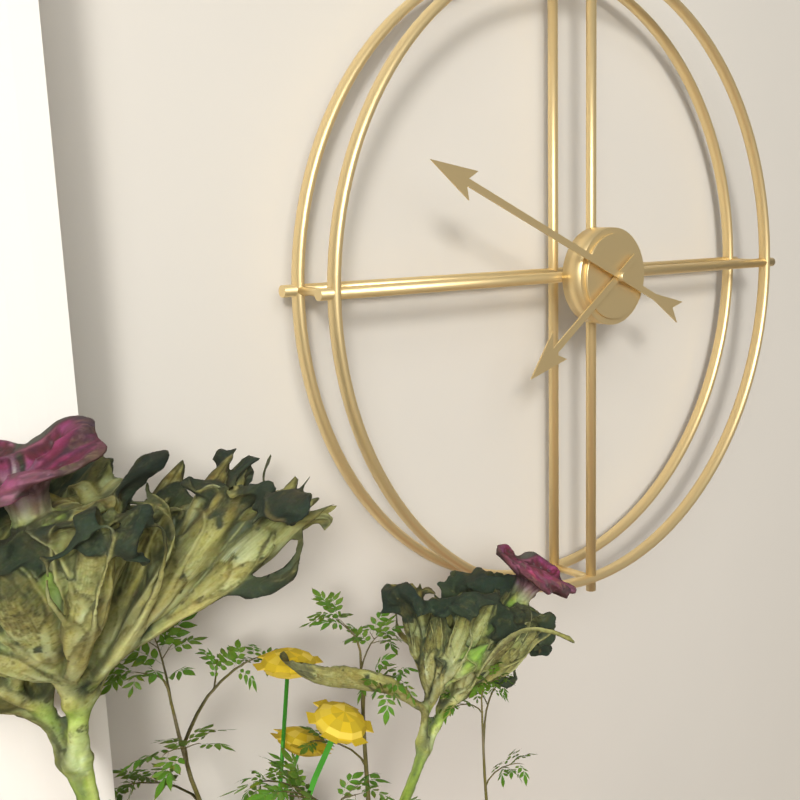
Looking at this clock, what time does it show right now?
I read 7:49
